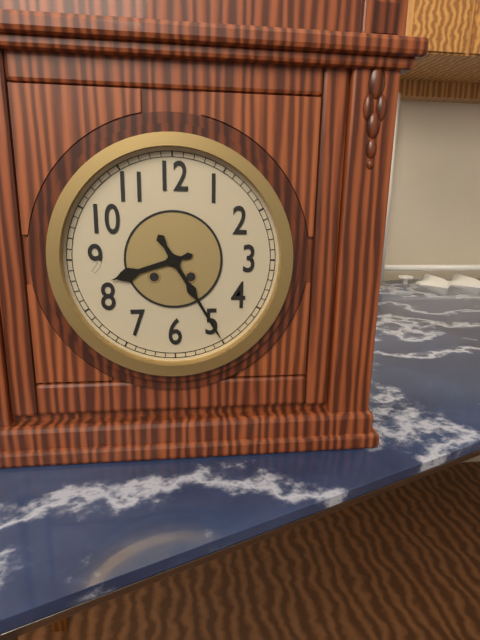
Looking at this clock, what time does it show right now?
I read 8:25
